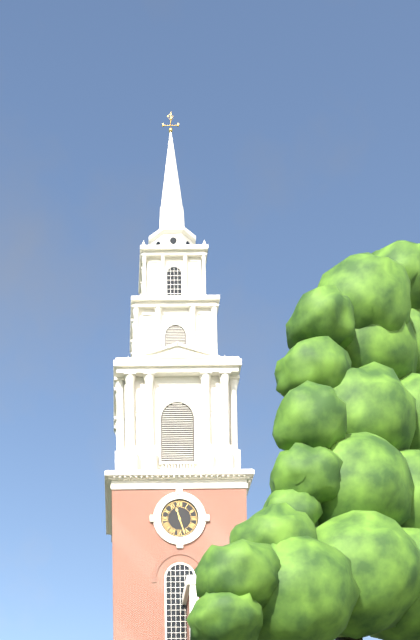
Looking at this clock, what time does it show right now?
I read 11:27
